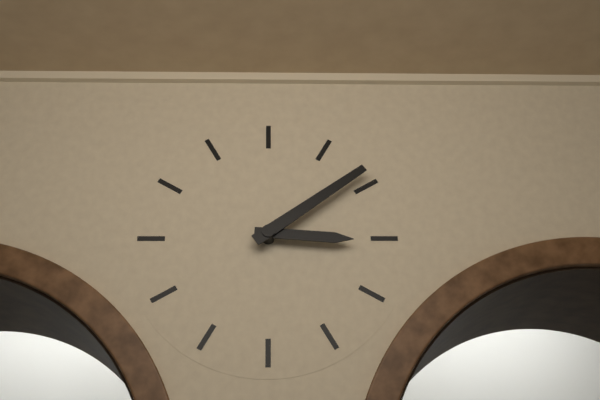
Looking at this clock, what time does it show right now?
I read 3:09
